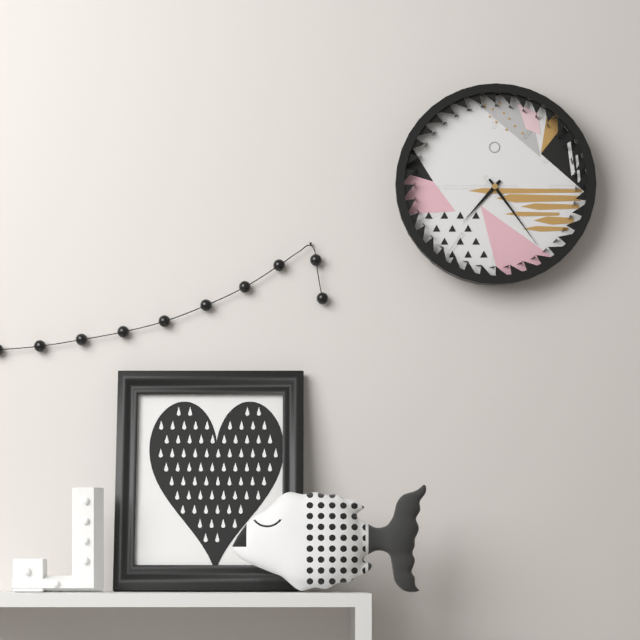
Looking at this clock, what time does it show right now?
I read 7:24
